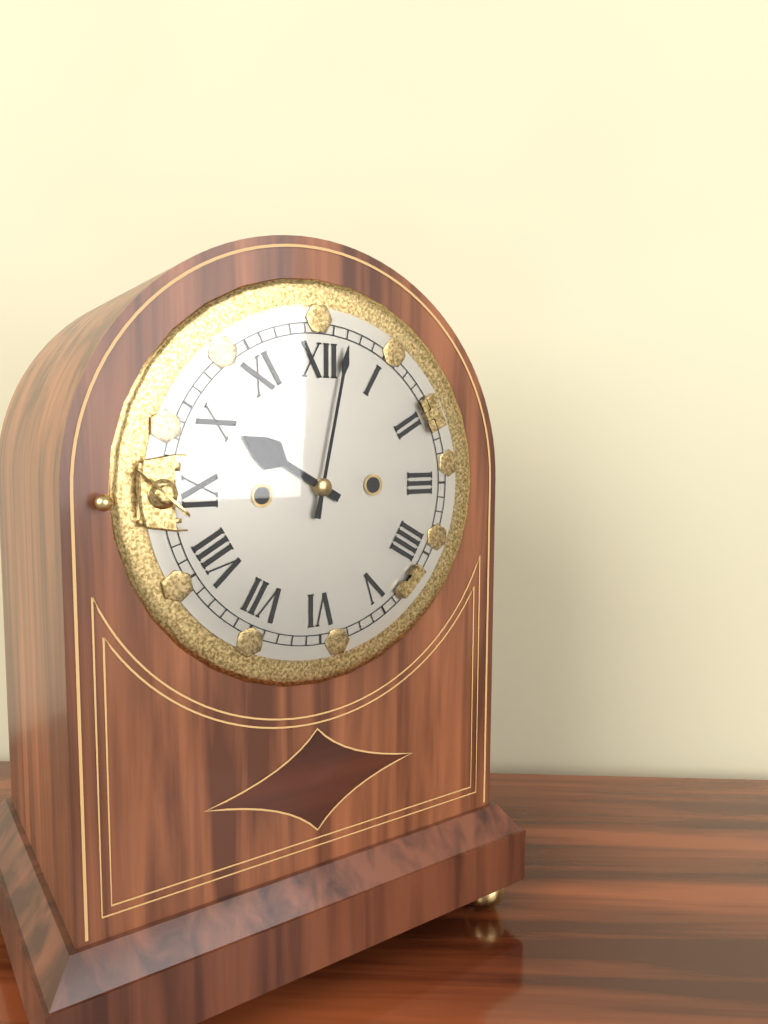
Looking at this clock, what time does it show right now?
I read 10:02
